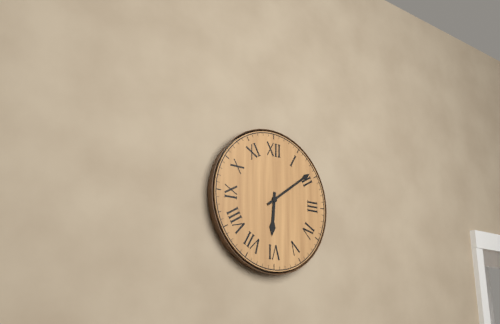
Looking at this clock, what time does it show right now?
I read 6:09
